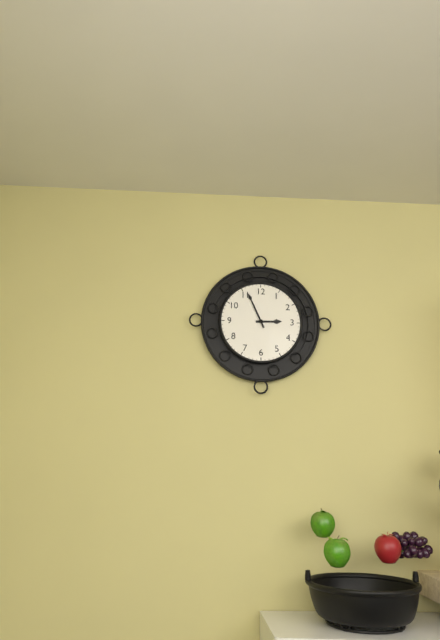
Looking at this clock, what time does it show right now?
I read 2:56
